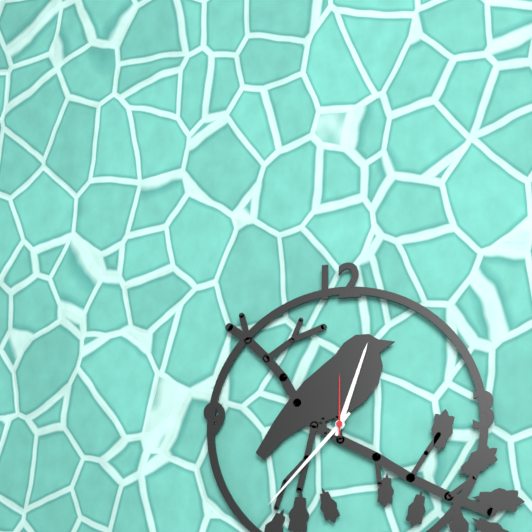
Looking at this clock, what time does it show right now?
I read 12:37:00
